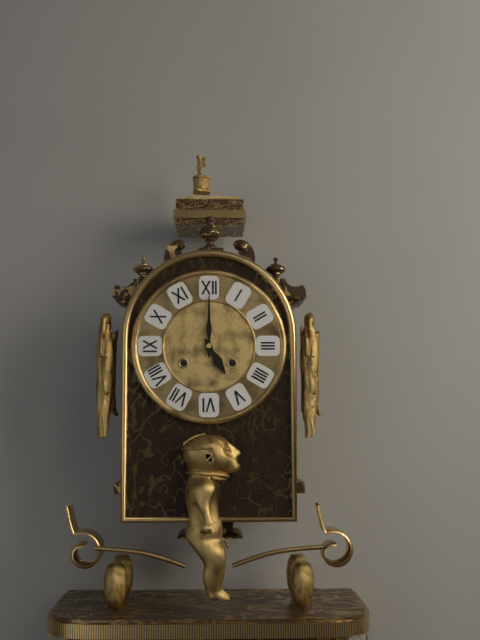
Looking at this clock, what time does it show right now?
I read 5:00
